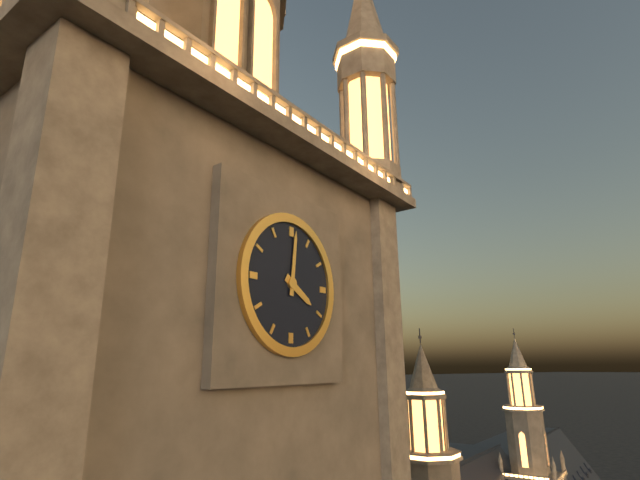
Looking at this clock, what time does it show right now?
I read 4:01
